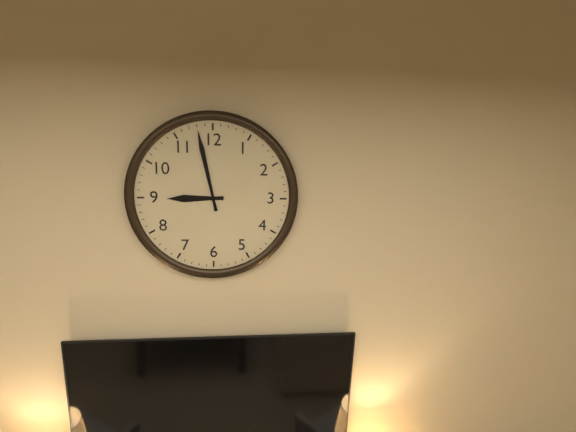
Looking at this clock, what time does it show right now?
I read 8:58
